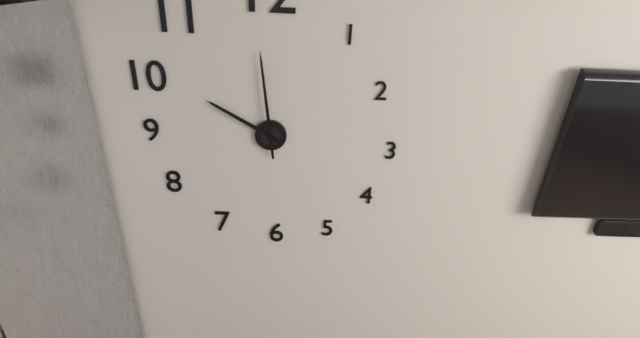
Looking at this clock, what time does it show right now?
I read 9:59
